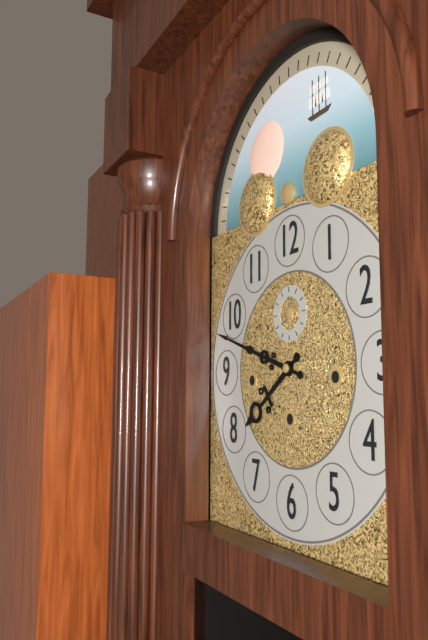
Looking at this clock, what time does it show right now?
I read 7:48
